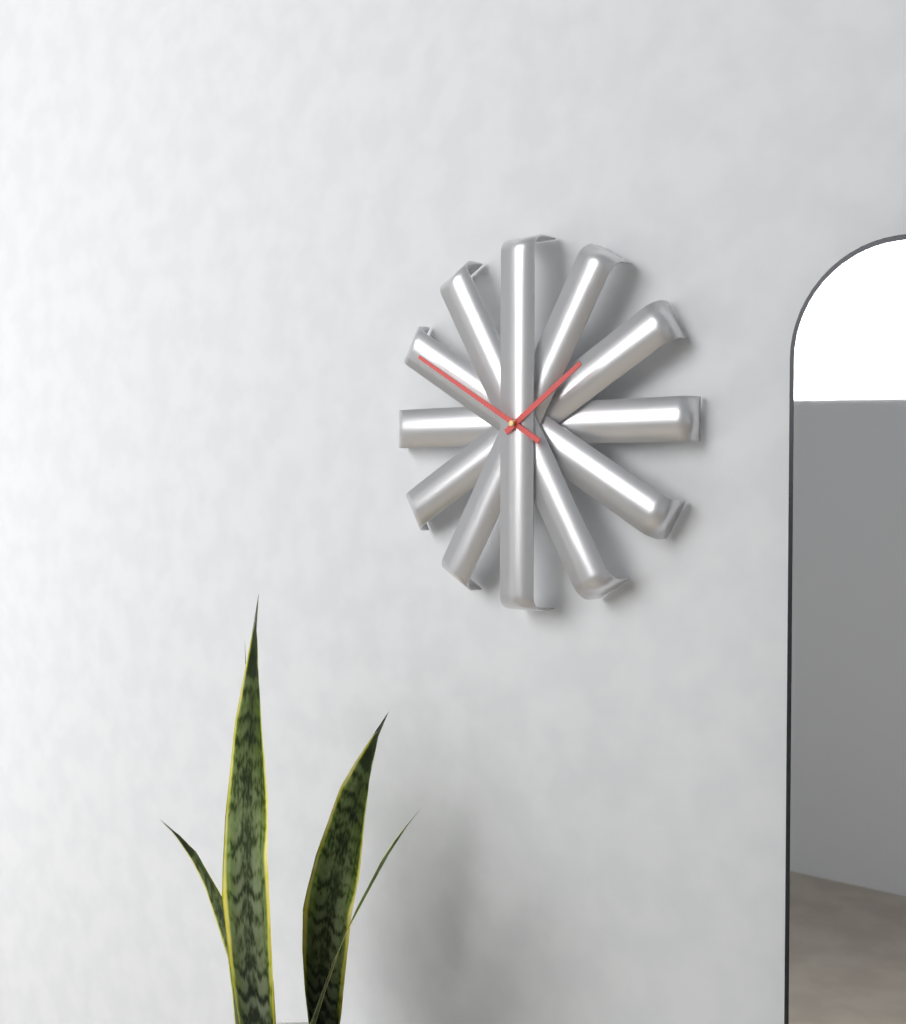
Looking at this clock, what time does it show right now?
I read 1:50
